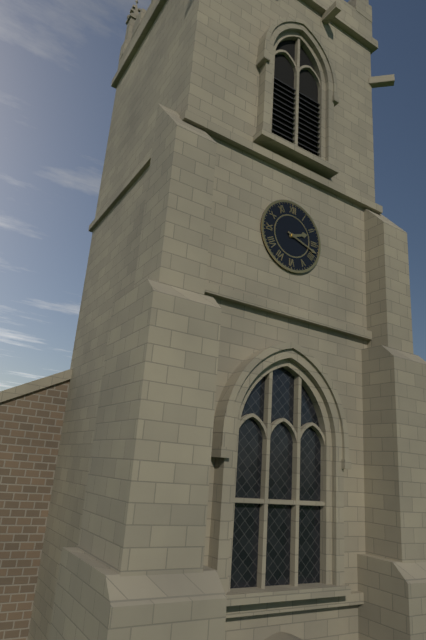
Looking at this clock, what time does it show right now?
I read 2:18
